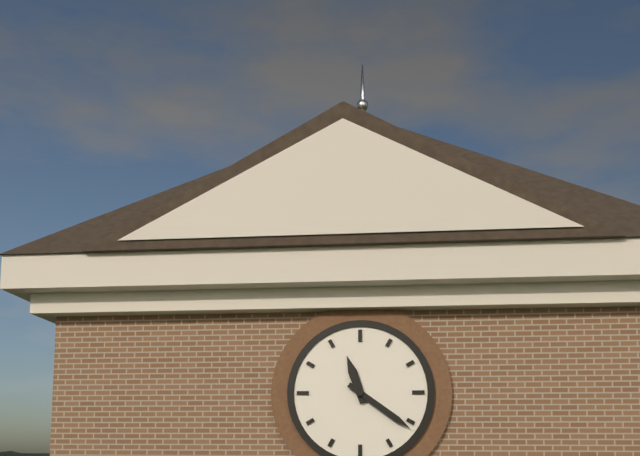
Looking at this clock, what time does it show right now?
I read 11:21
